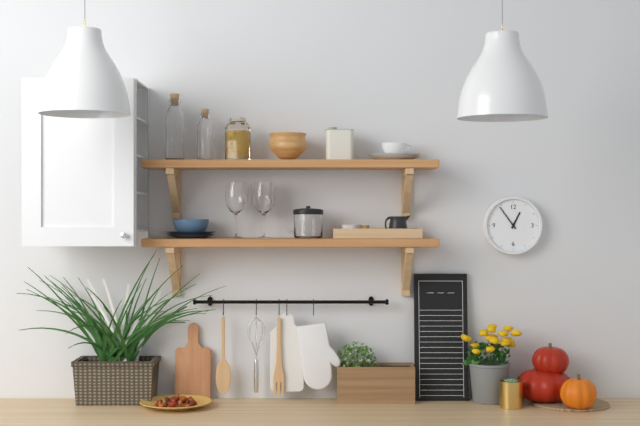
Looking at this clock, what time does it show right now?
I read 12:54
